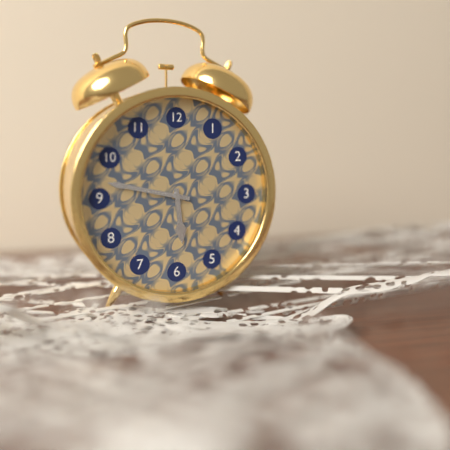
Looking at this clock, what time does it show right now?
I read 5:47
